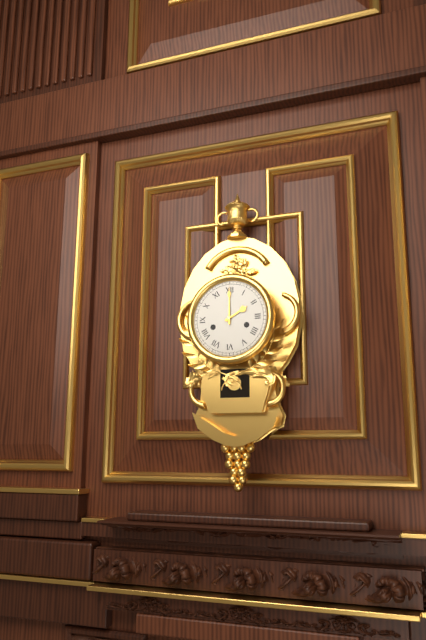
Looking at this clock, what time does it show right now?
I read 2:00
